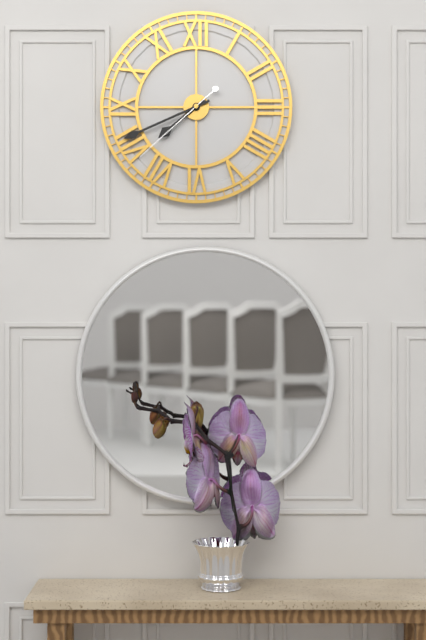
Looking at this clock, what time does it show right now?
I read 7:41:38
